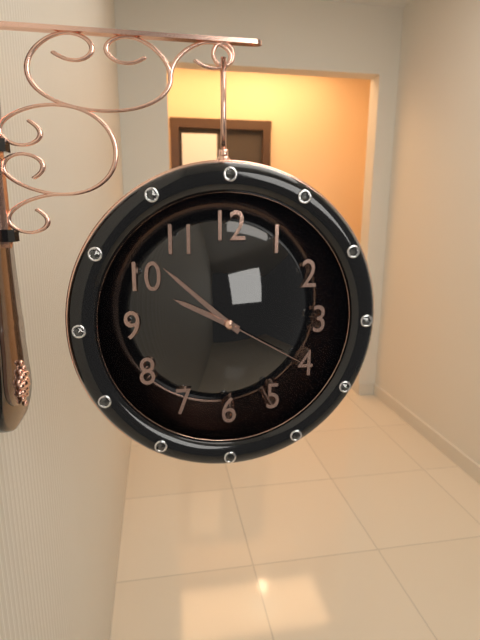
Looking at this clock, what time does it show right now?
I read 9:52:20
